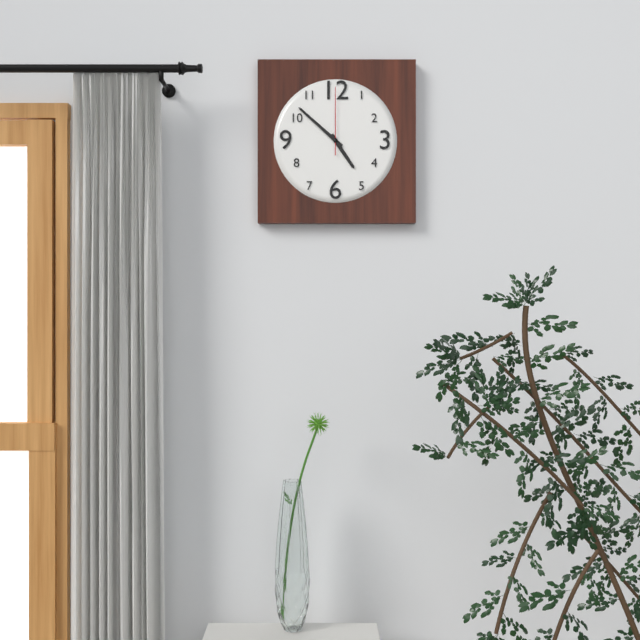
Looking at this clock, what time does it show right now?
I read 4:52:00
